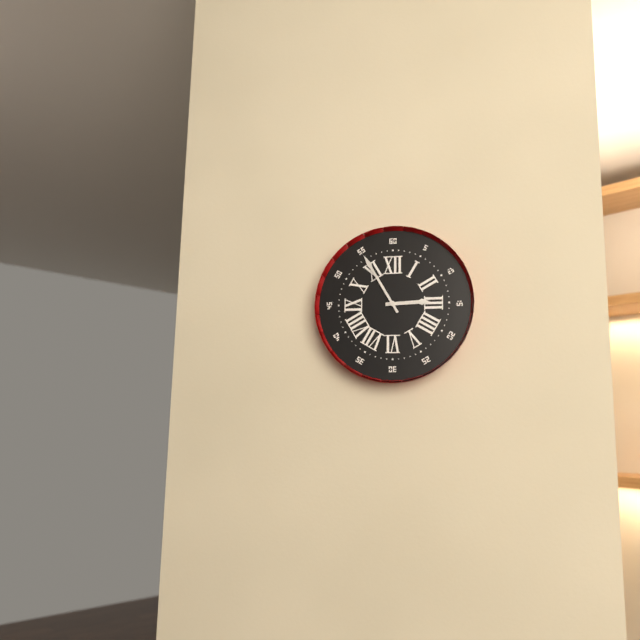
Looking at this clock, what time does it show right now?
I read 2:55
